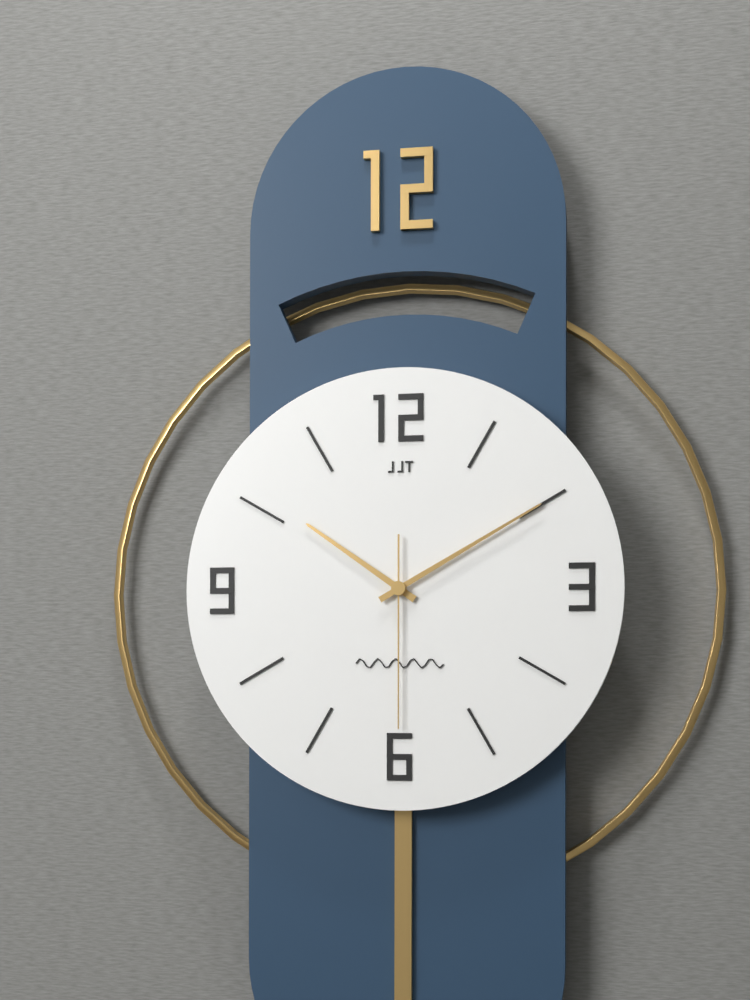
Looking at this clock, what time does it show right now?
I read 10:10:30
